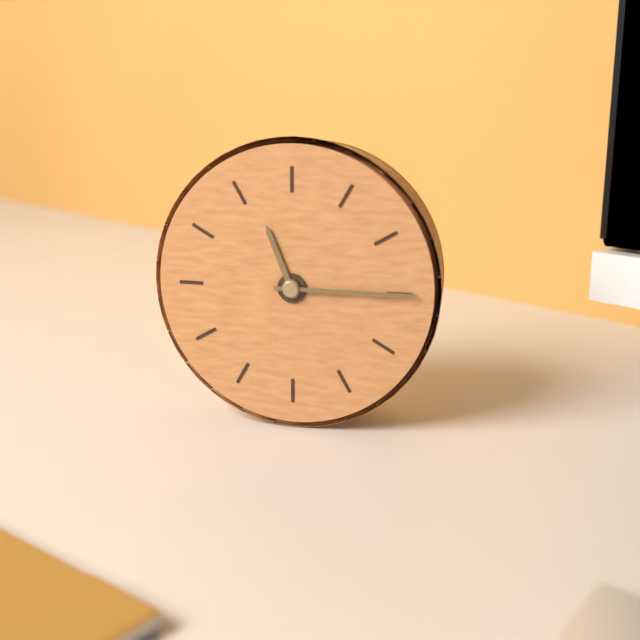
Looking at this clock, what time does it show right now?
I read 11:15
